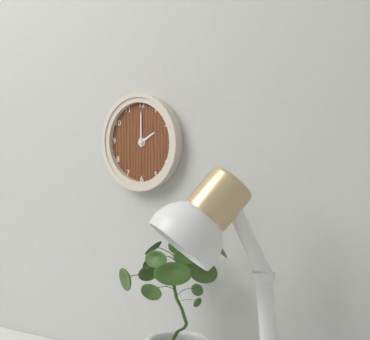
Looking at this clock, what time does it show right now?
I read 2:00
